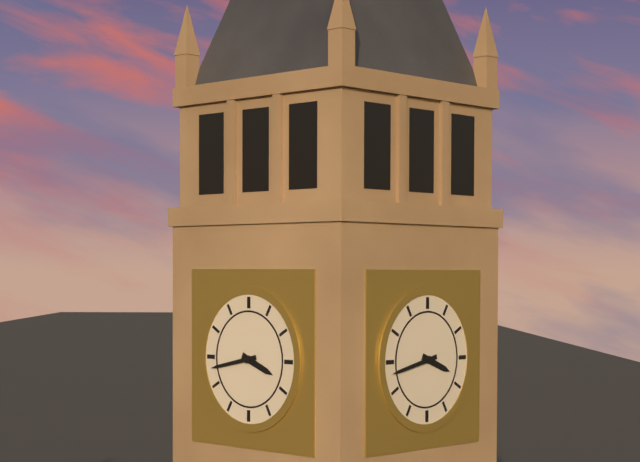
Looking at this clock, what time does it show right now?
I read 3:43
